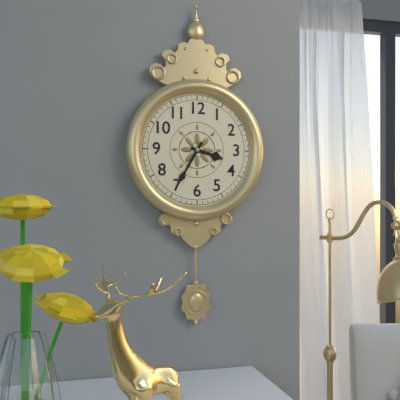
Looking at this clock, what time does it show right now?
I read 3:35
